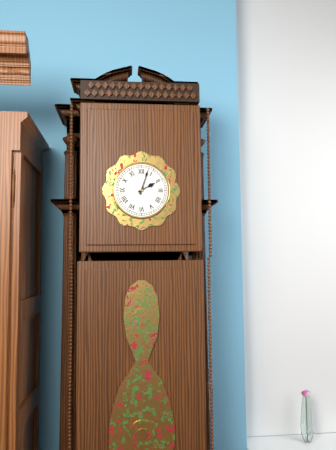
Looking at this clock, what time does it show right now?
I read 2:03
